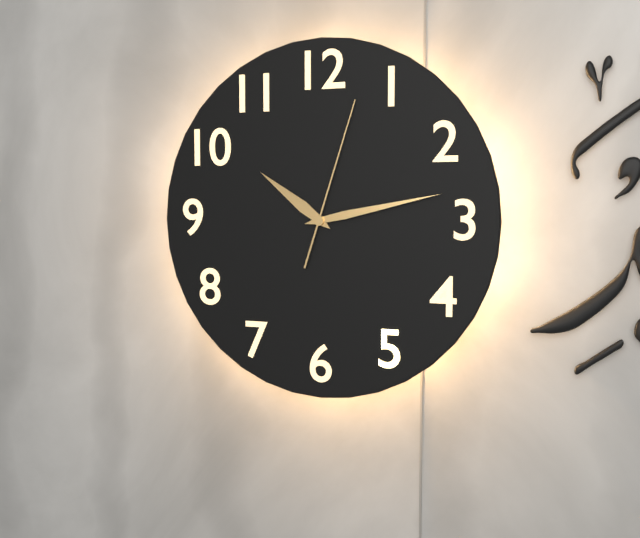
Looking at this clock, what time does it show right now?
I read 10:13:03
